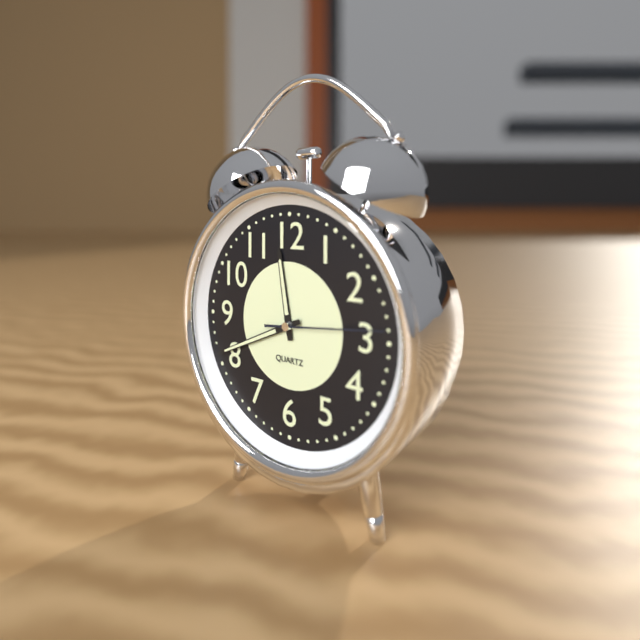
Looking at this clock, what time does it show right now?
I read 11:41:14
